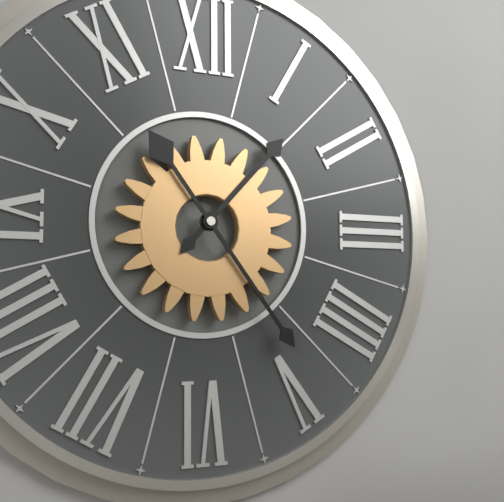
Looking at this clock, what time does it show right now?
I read 1:24
